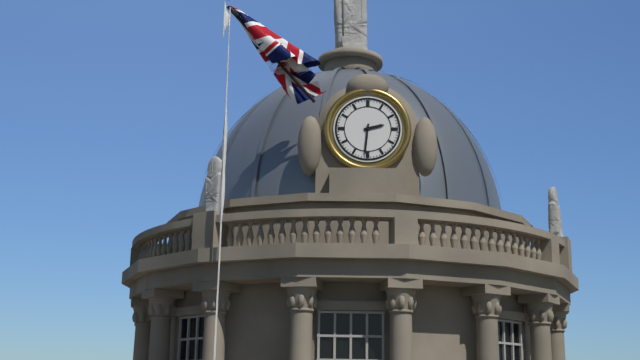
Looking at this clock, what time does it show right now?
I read 2:31
